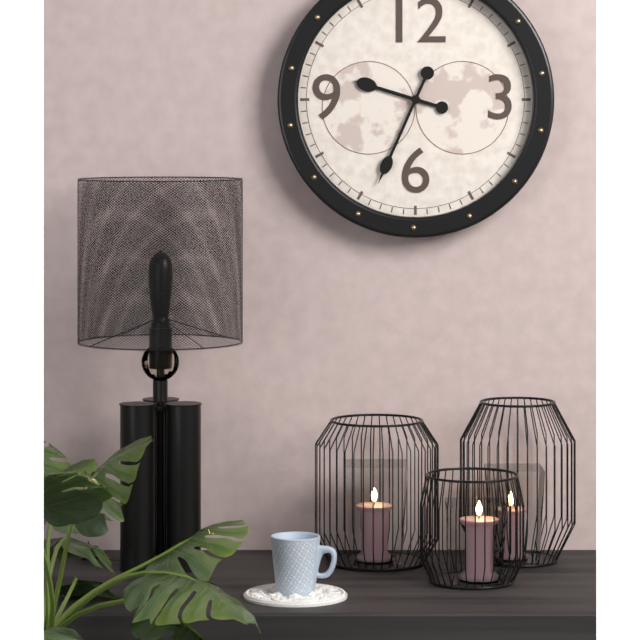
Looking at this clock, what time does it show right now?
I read 9:34
